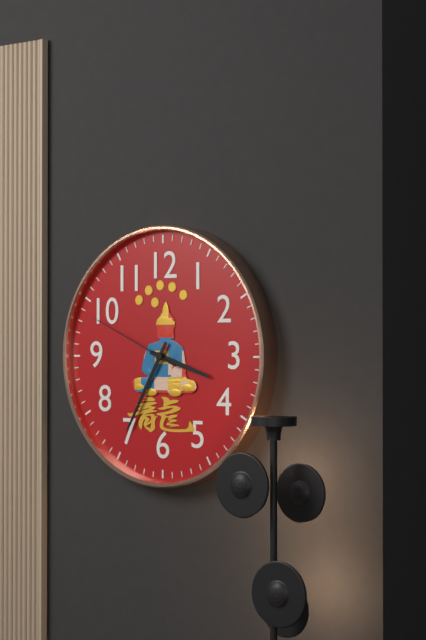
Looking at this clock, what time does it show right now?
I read 3:35:49
